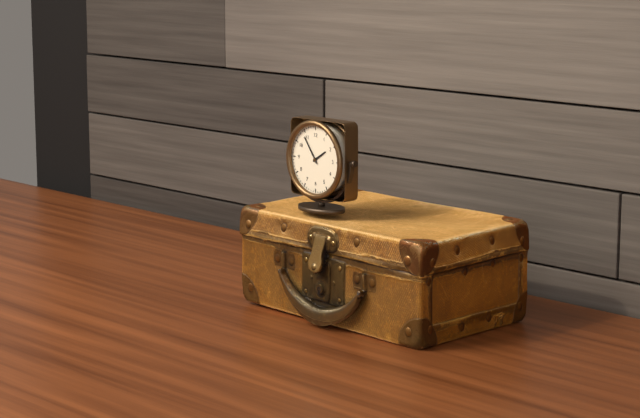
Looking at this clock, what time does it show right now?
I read 1:54
